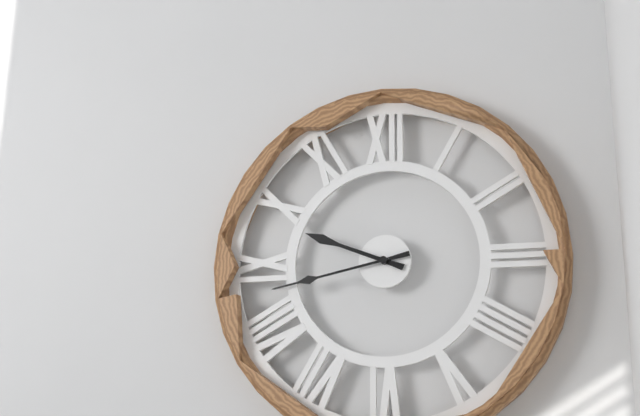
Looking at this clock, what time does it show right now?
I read 9:43
